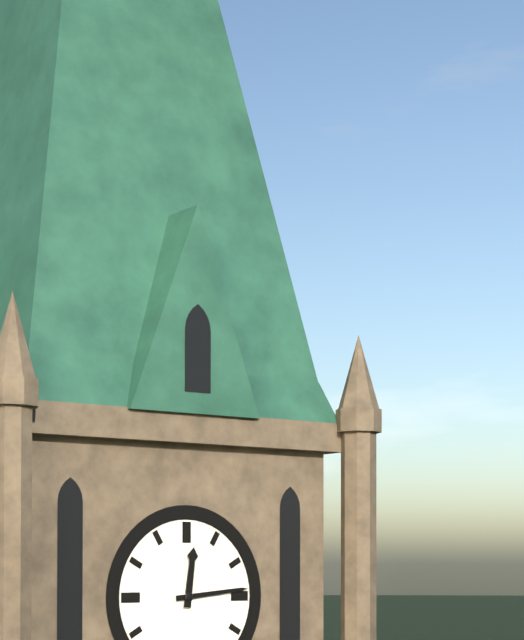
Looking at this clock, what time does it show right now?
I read 12:14
